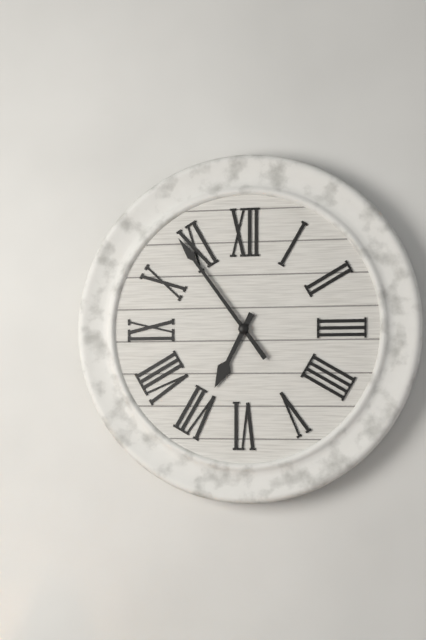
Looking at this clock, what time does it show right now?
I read 6:54
